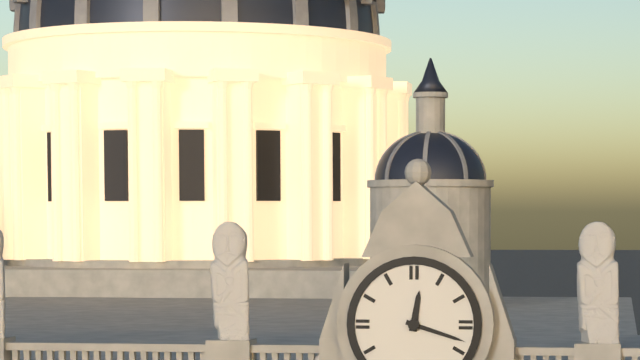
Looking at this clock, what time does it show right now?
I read 12:18
